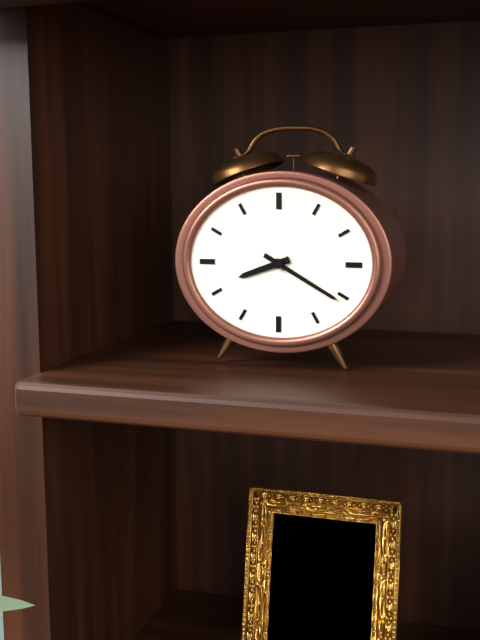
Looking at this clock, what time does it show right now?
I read 8:20
